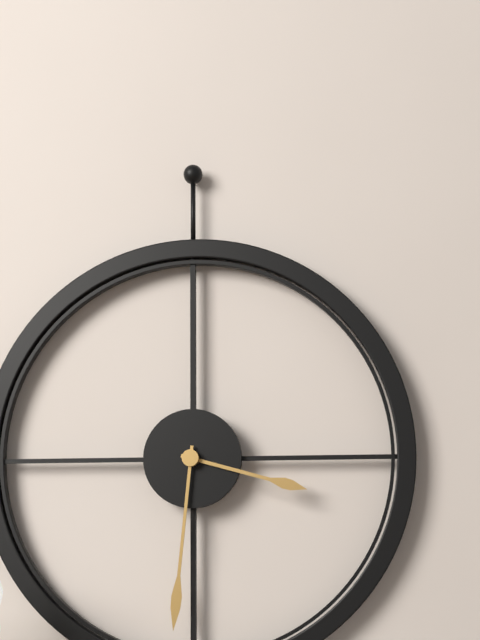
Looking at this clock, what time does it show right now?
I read 3:31
